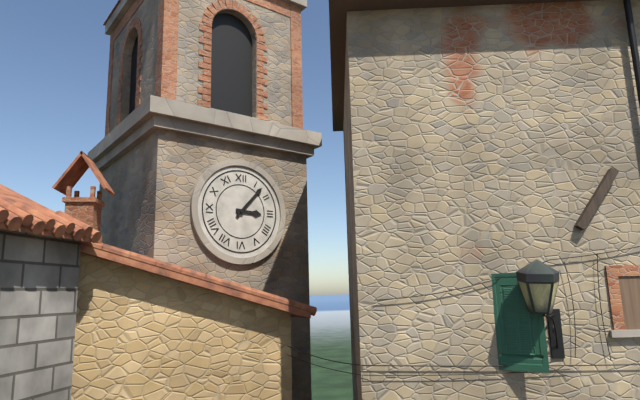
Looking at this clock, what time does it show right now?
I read 3:07
